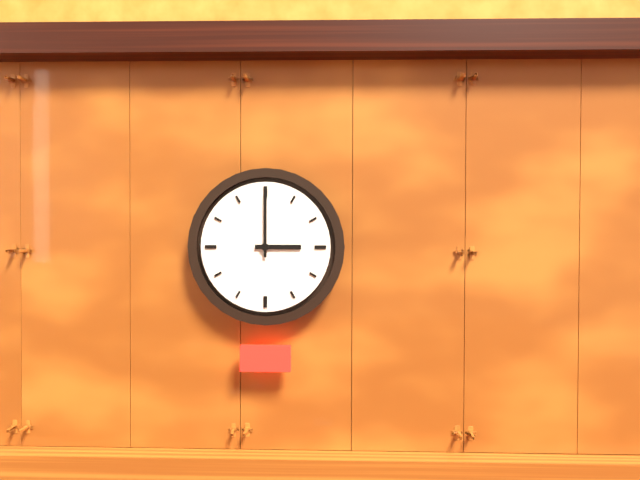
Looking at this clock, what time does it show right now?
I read 3:00
